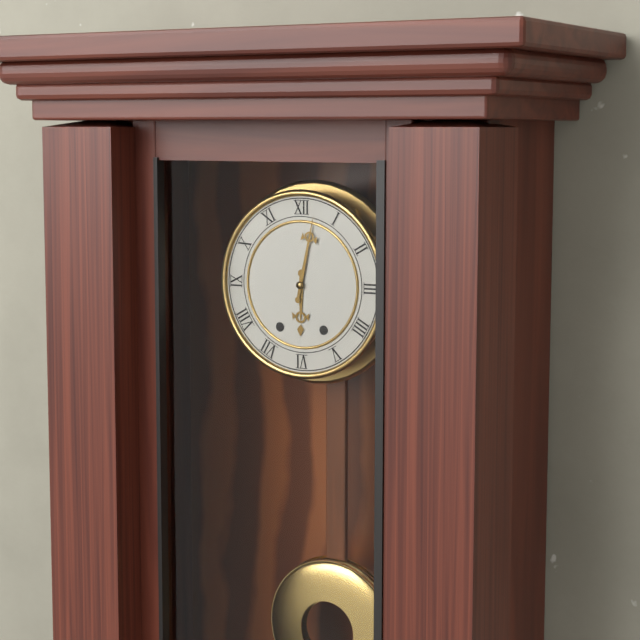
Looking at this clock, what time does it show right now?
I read 6:02
